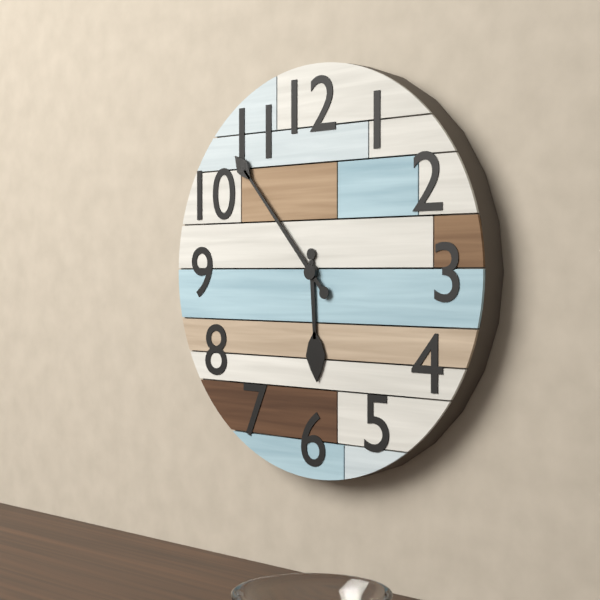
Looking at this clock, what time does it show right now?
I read 5:53
